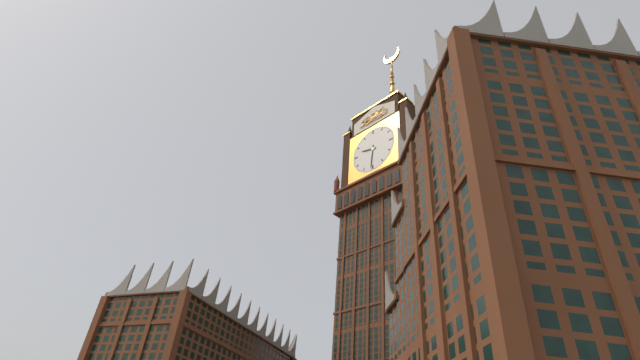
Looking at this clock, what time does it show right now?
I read 9:31
